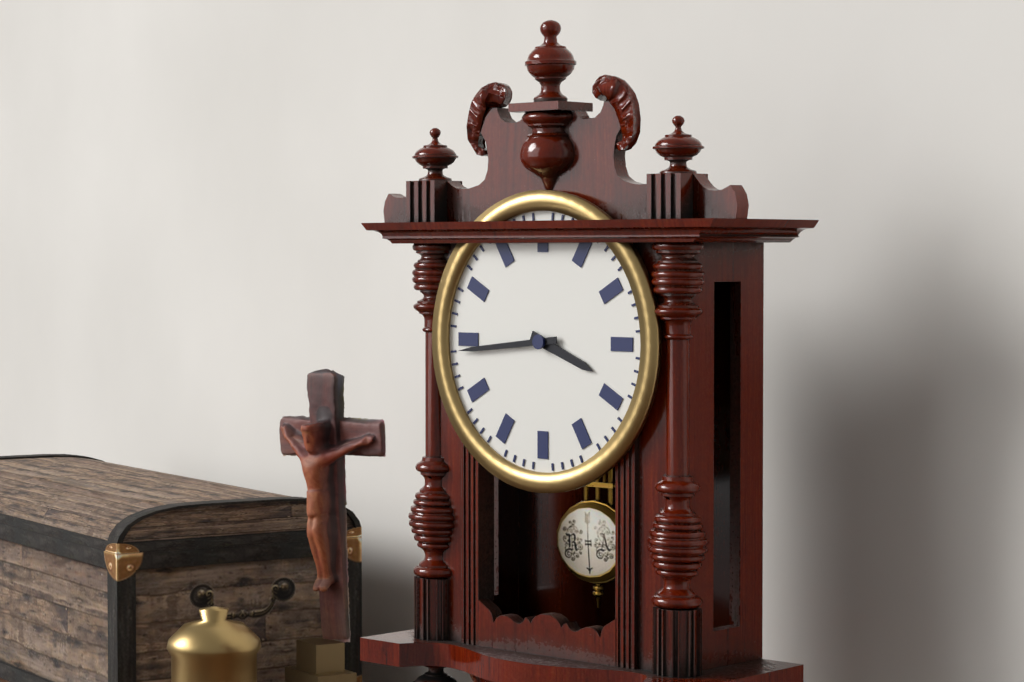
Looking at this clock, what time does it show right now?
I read 3:44
